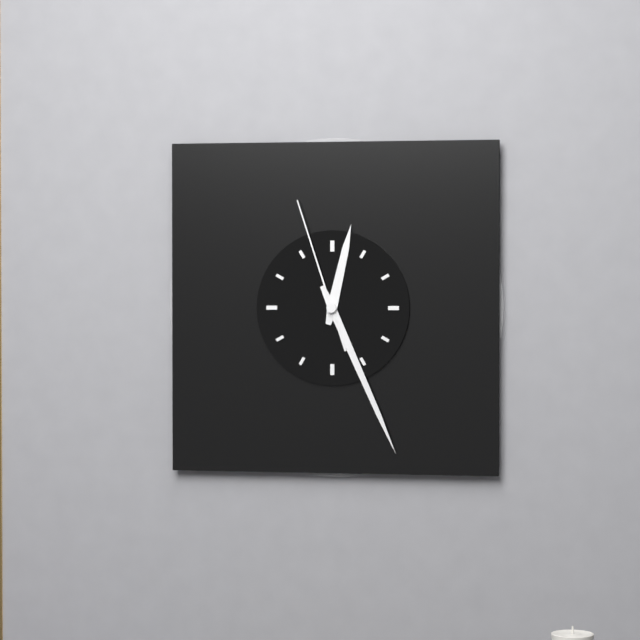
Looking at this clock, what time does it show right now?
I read 12:26:57
